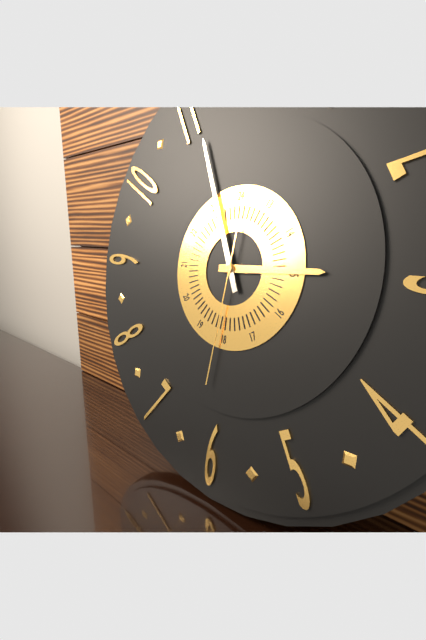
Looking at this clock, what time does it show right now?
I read 2:56:31
